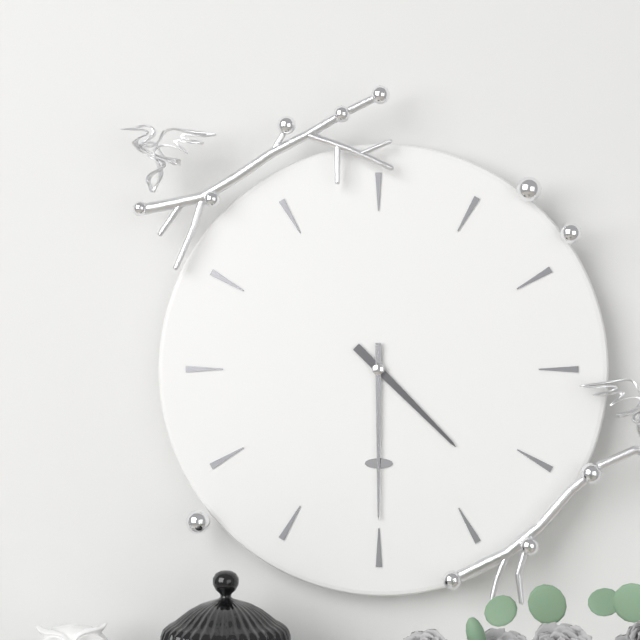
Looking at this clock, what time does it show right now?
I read 4:30
